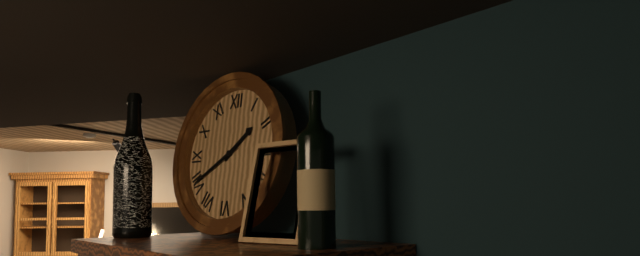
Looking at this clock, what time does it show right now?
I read 1:40
